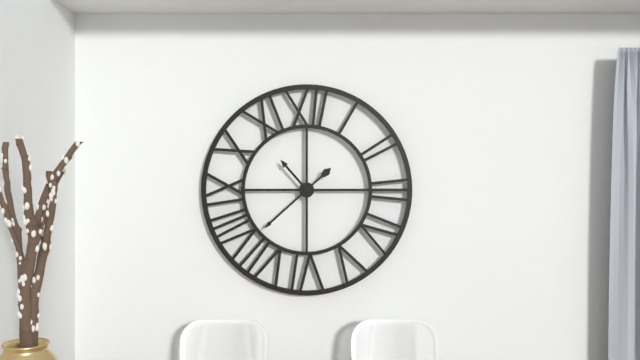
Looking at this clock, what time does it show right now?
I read 10:38
